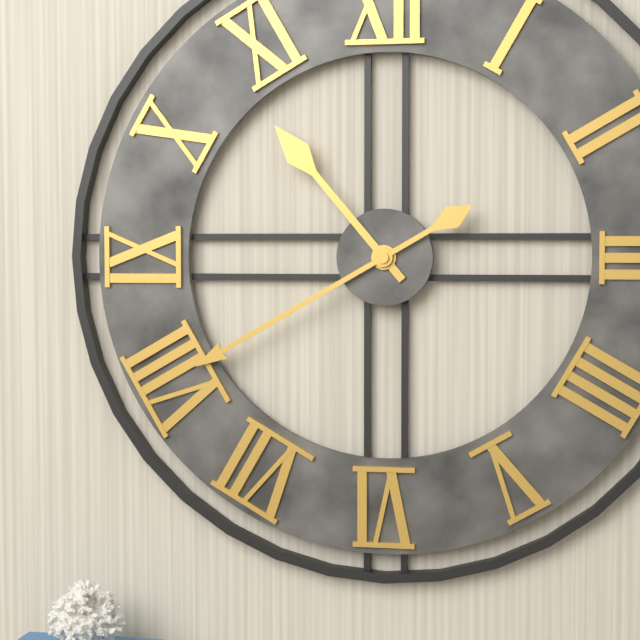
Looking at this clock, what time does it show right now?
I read 10:40
